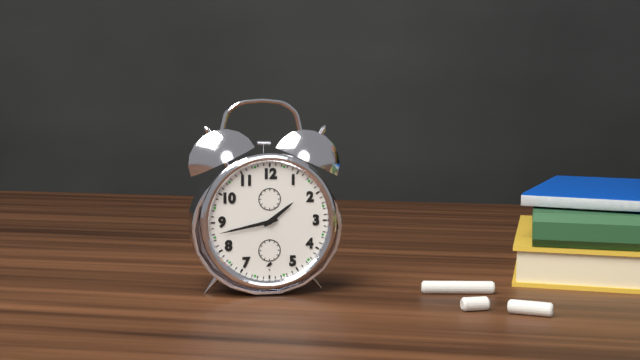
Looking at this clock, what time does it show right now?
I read 1:43
